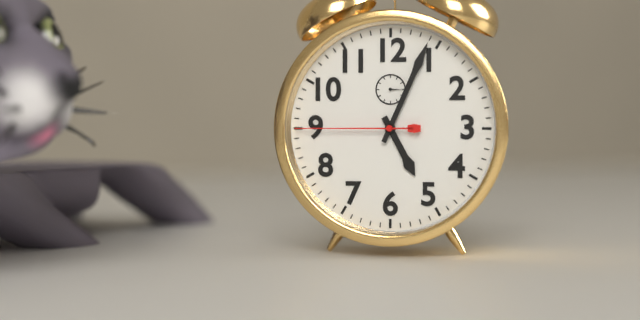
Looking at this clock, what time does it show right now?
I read 5:04:45
